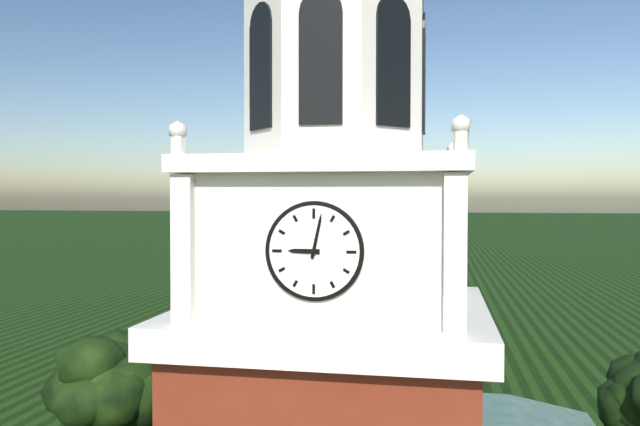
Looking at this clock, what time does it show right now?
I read 9:02
